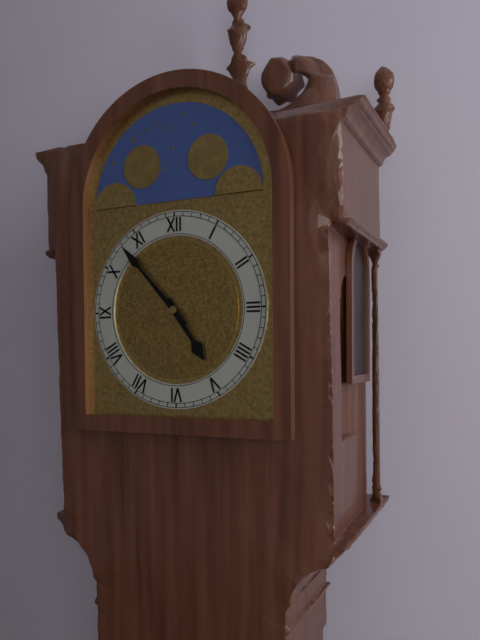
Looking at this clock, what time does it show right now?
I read 4:53
